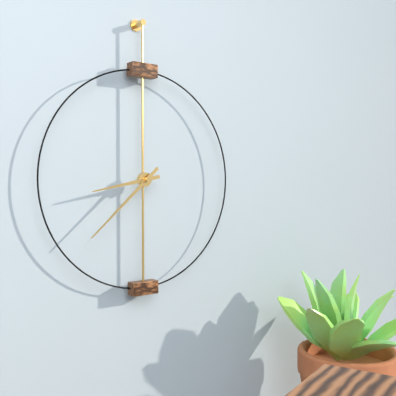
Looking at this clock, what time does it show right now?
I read 8:38
